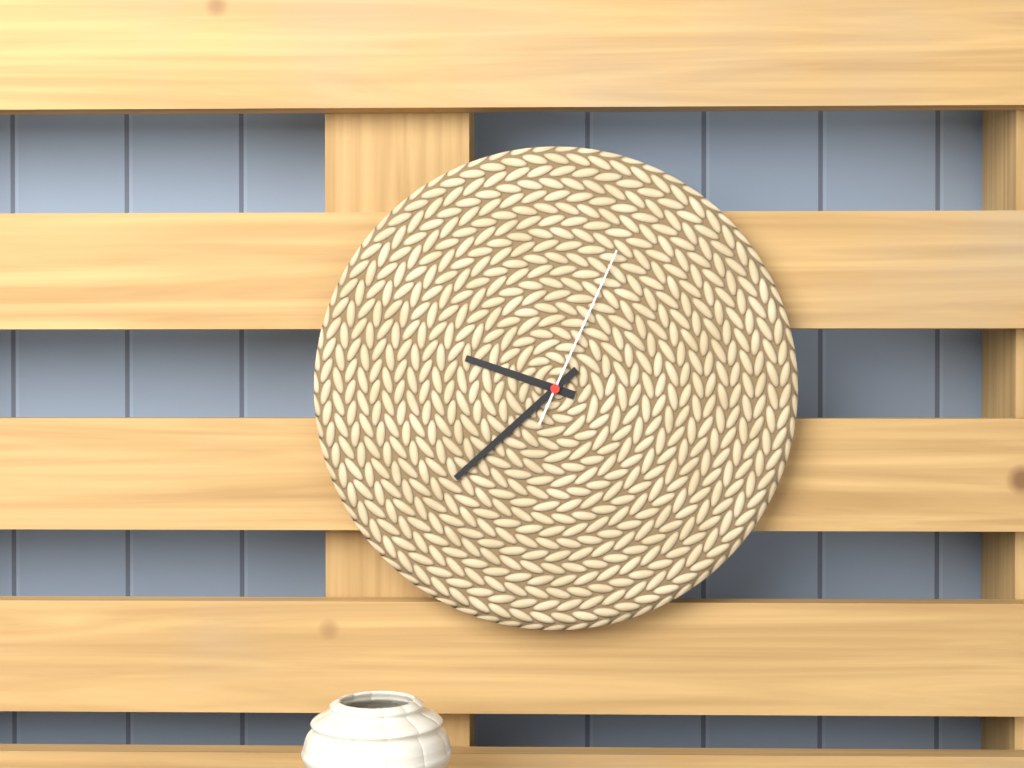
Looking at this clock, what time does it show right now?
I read 9:38:04
